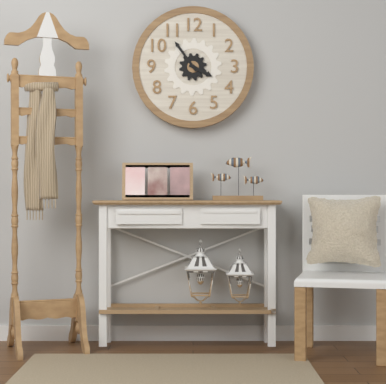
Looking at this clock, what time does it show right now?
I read 3:54
